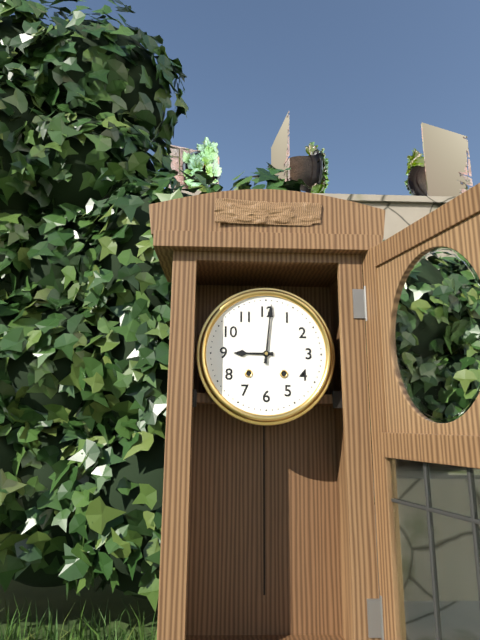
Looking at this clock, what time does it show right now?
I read 9:01
